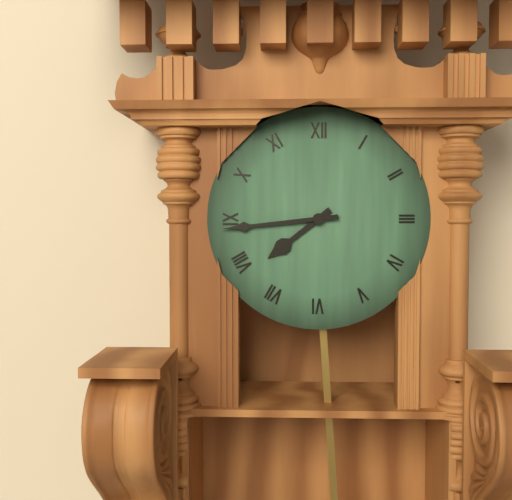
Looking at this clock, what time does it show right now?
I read 7:44
